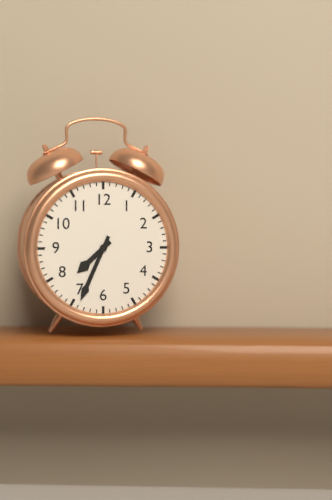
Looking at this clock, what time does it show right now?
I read 7:34
